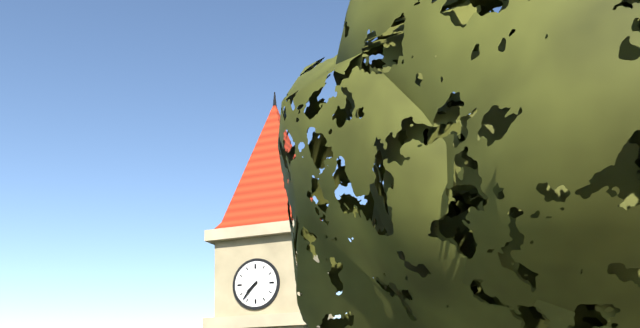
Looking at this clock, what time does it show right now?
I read 7:37
